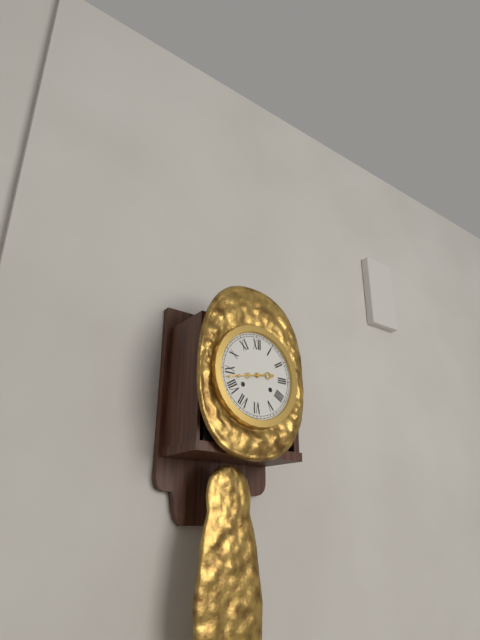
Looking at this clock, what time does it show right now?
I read 2:43
